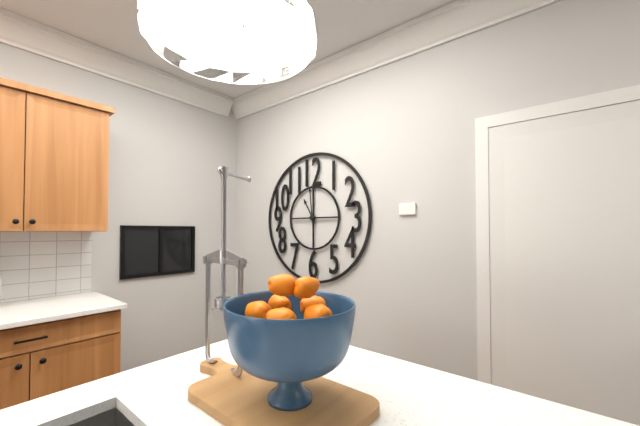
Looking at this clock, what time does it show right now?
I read 10:59
